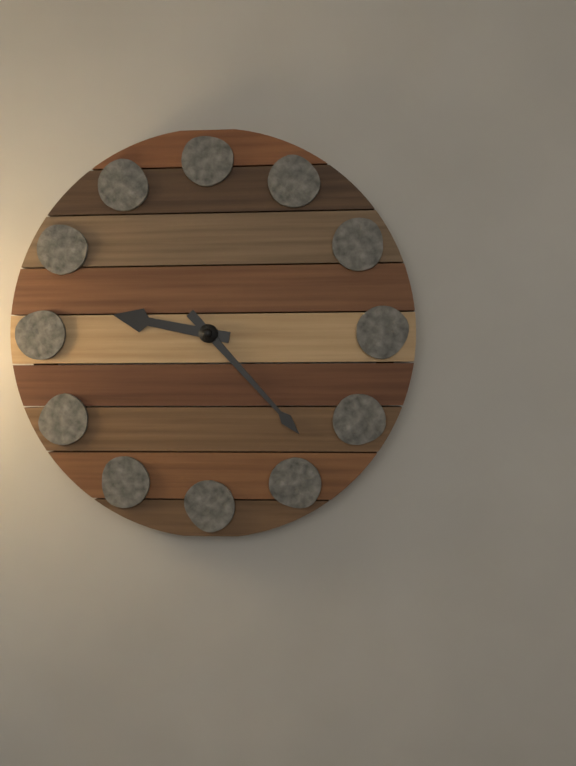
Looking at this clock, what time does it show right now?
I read 9:23
